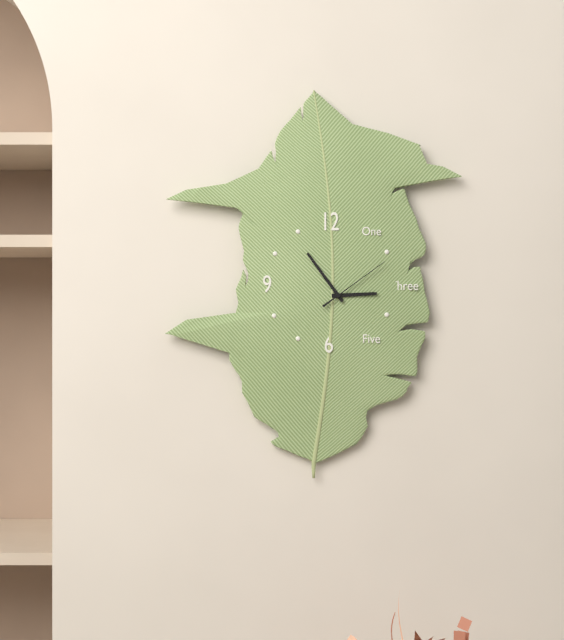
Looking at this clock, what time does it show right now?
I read 2:54:09
